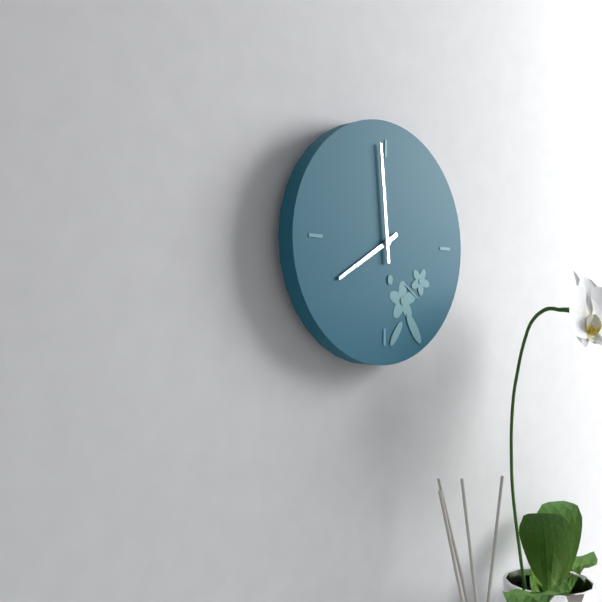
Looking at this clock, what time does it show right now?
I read 7:59
